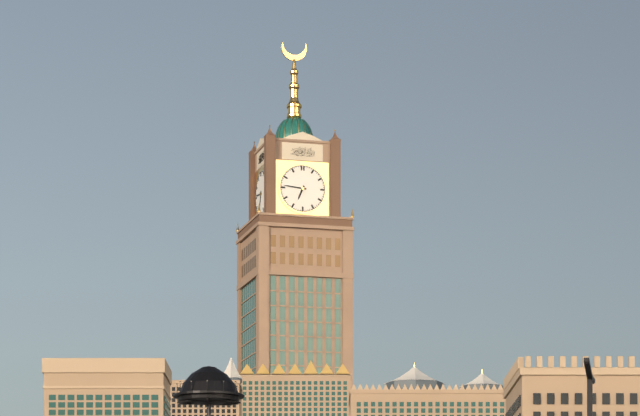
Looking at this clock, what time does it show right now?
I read 6:46
